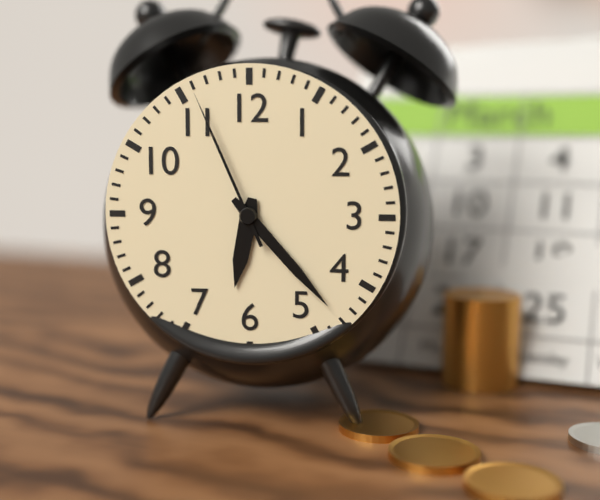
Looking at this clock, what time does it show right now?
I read 6:23:56
